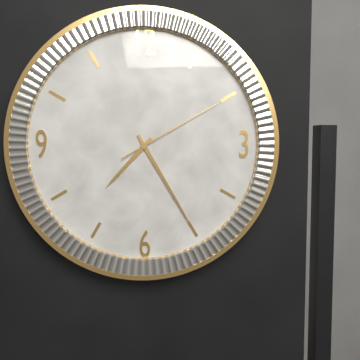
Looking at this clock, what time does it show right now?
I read 7:25:10
